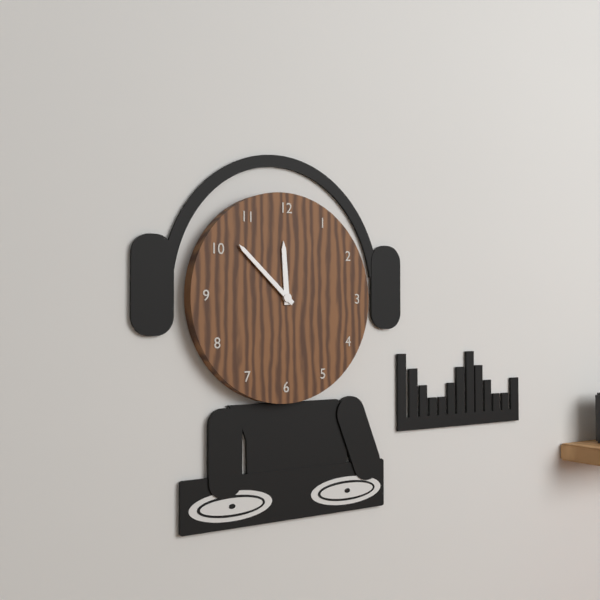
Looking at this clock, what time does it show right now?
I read 11:52
